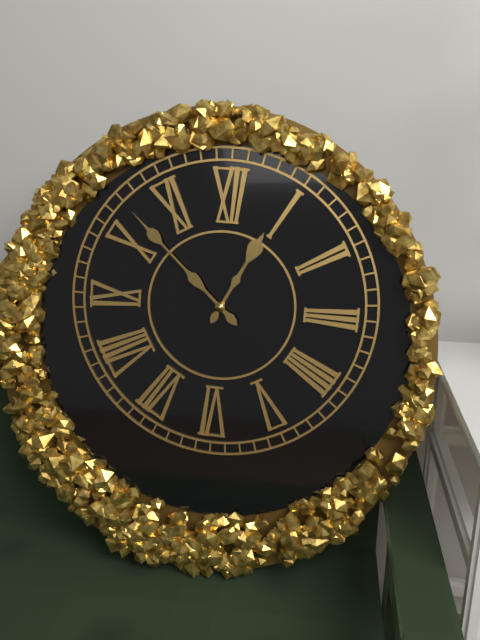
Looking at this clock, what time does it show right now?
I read 12:52
